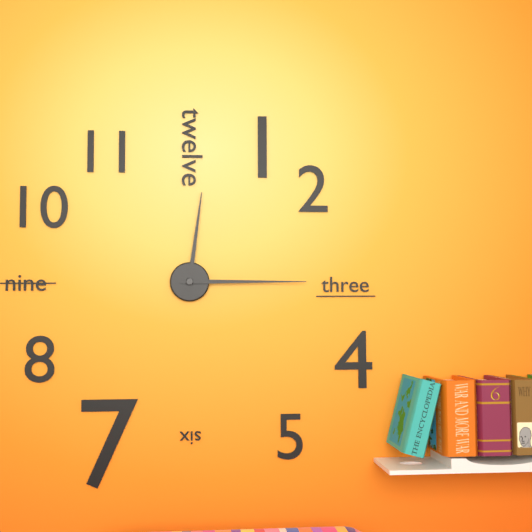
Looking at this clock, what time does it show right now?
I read 12:15
